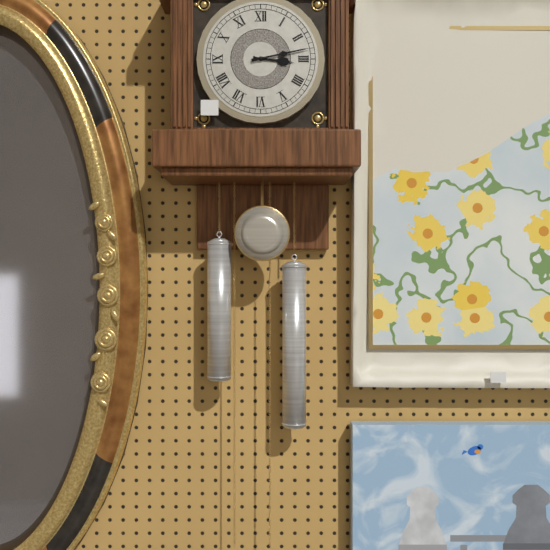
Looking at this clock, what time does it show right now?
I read 3:13
